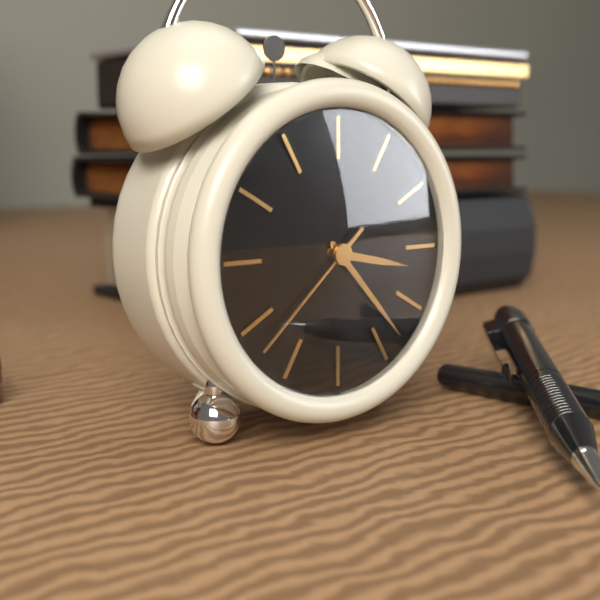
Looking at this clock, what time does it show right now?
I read 3:23:38
